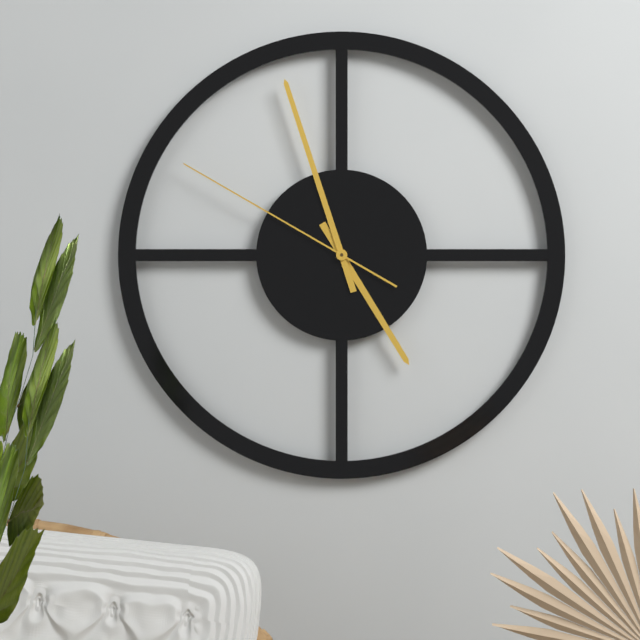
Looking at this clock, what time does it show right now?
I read 4:57:50
